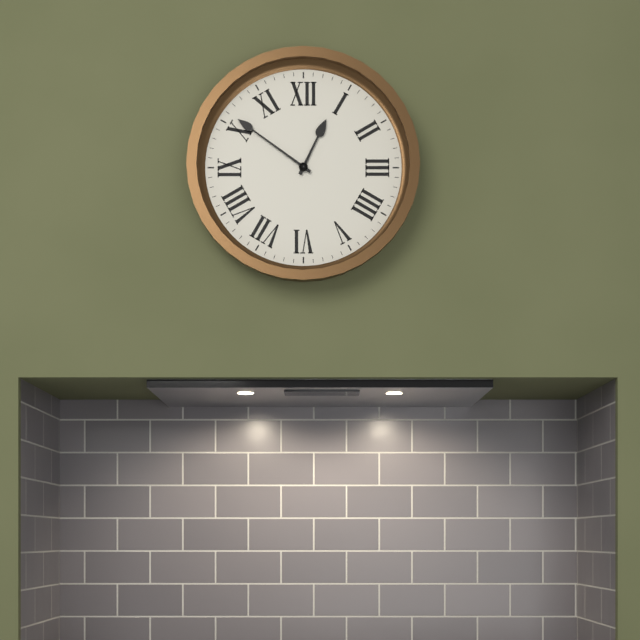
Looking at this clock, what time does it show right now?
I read 12:51
